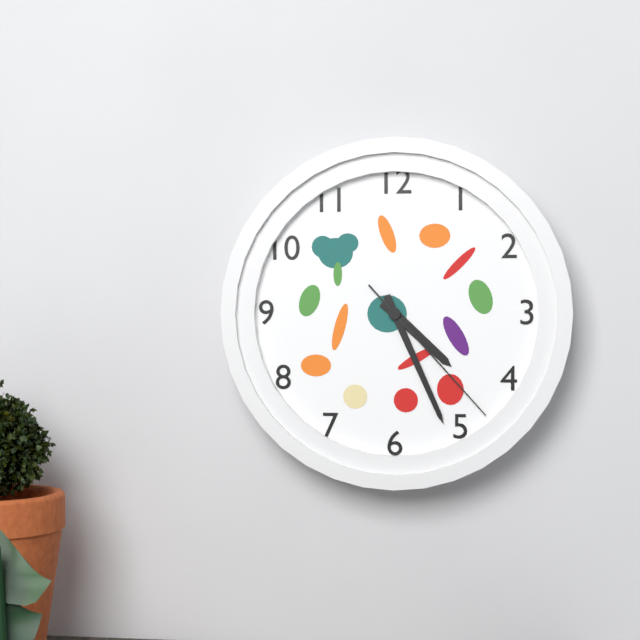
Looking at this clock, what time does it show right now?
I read 4:26:23
